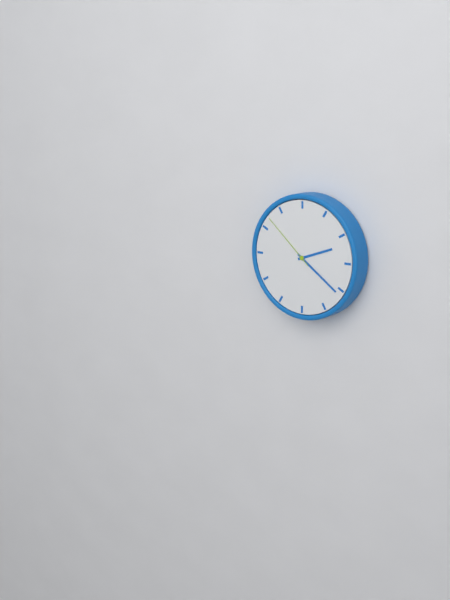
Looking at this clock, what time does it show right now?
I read 2:21:52
